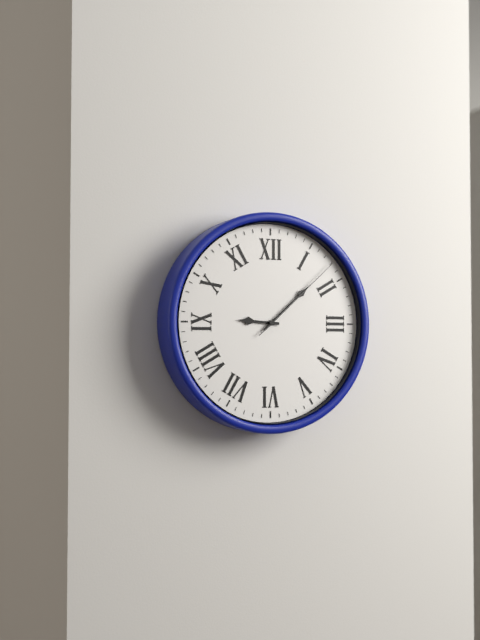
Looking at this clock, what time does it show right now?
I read 9:08:08
